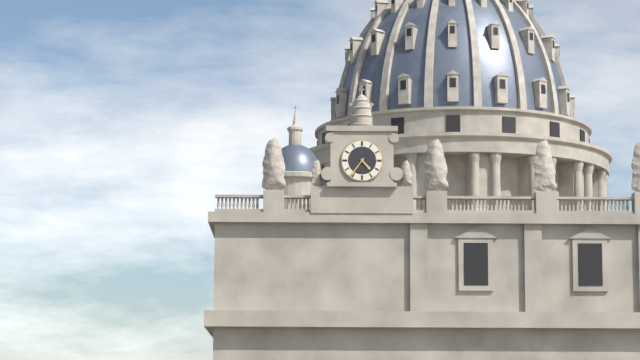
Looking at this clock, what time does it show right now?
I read 4:36
